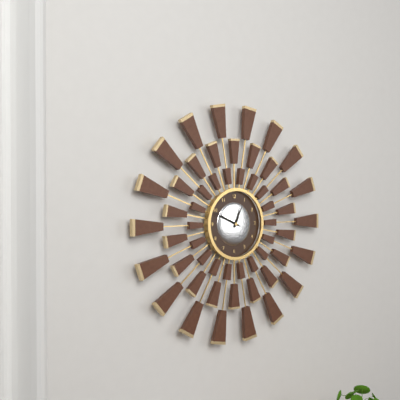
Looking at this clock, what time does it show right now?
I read 12:49
